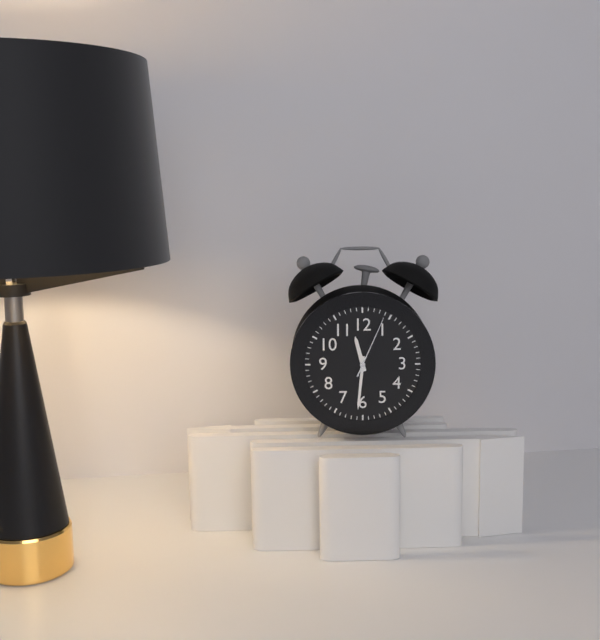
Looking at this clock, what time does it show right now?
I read 11:31:04
